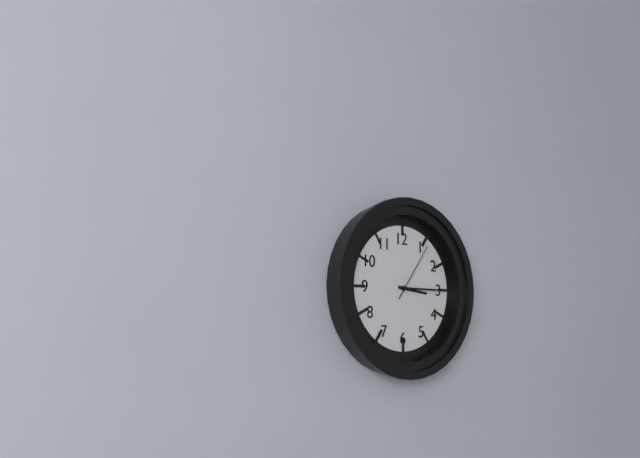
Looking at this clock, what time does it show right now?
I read 3:15:06
